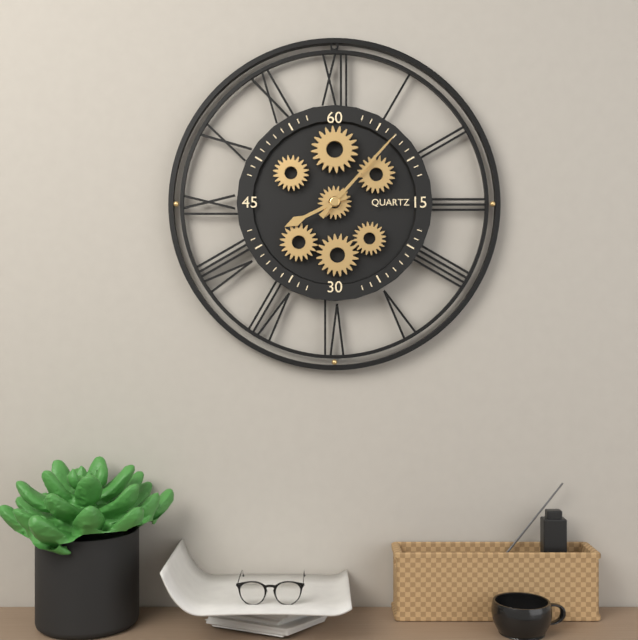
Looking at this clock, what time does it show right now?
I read 8:07
